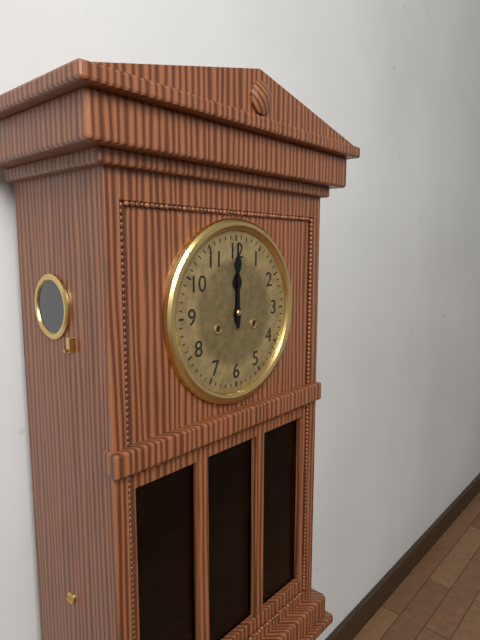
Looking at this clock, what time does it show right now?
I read 12:00
